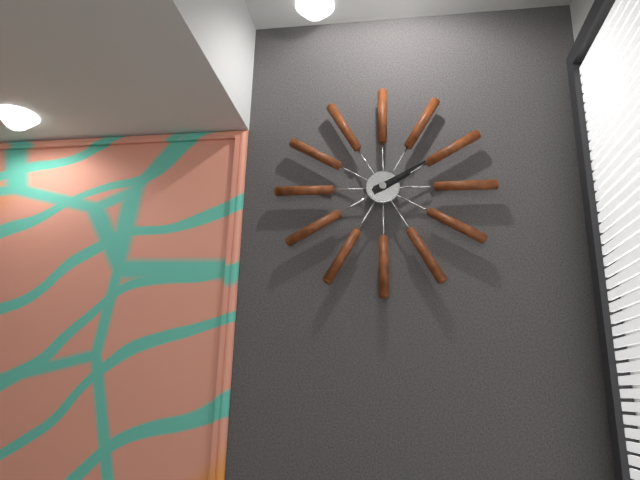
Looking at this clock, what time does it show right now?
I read 2:10
